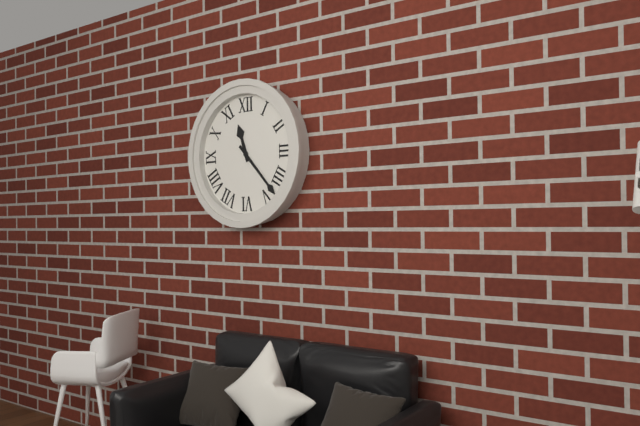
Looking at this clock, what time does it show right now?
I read 11:23
